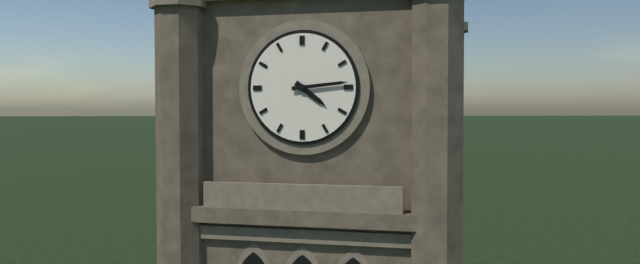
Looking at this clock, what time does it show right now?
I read 4:14
